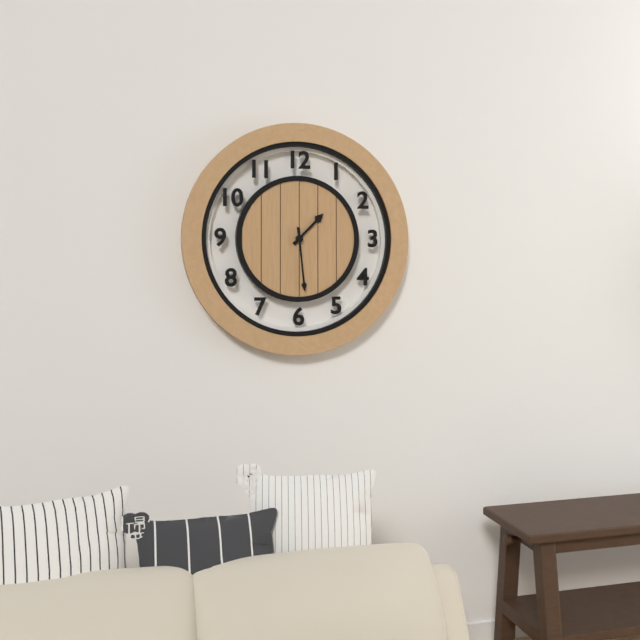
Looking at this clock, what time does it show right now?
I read 1:29
